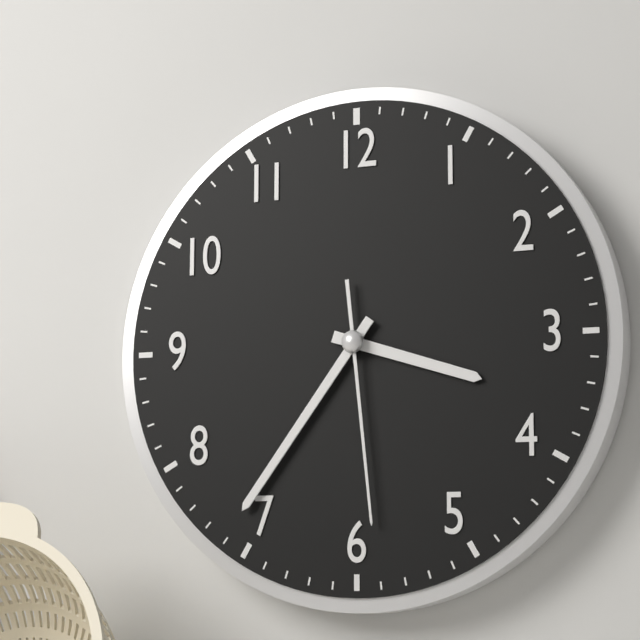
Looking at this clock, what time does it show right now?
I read 3:36:29
